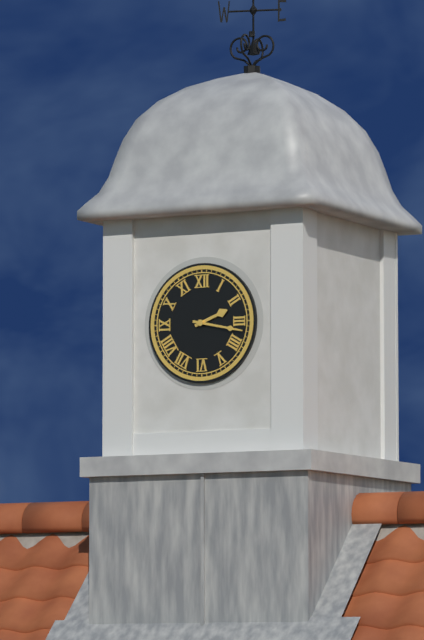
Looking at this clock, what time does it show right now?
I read 2:17
